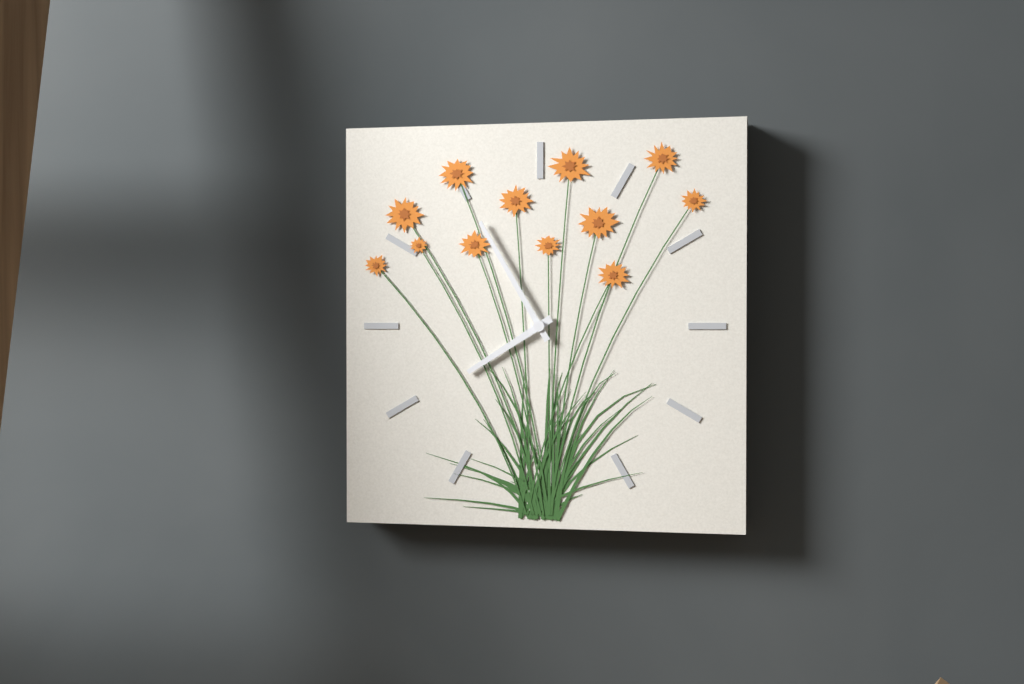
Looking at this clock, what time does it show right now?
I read 7:55
